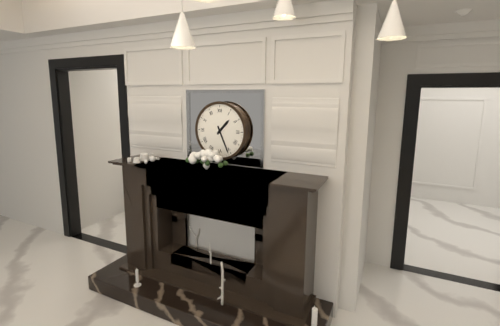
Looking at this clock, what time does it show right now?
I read 1:26
